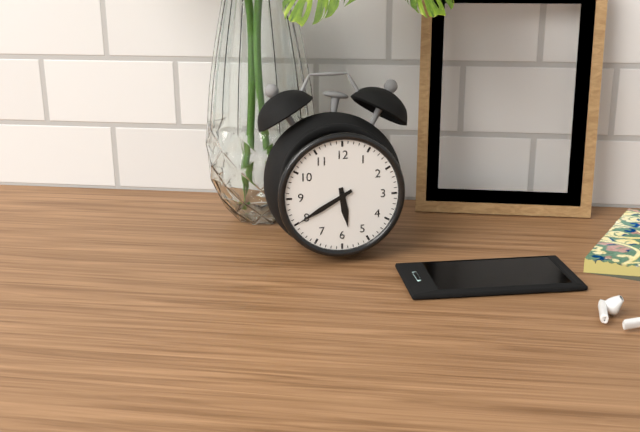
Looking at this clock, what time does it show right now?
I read 5:40
